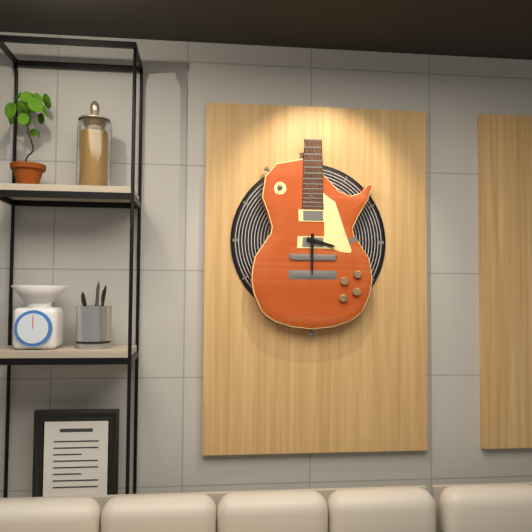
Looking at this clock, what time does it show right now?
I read 3:30
